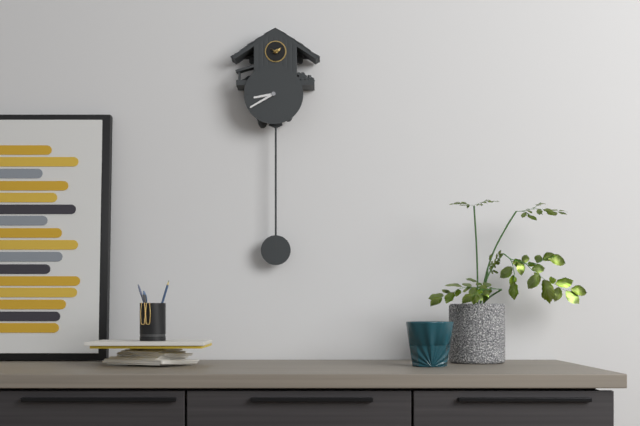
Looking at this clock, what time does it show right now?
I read 8:40
